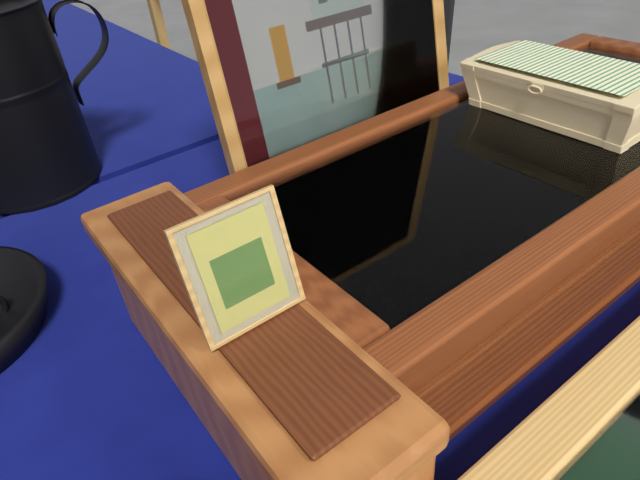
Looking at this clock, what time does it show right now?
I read 12:38
